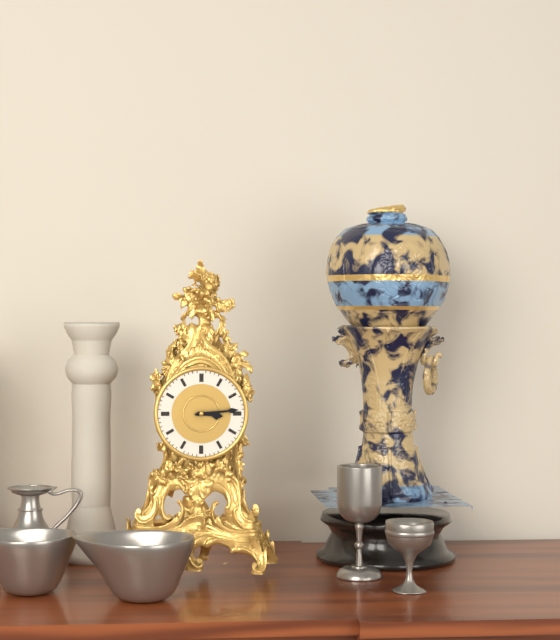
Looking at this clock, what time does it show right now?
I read 3:14
